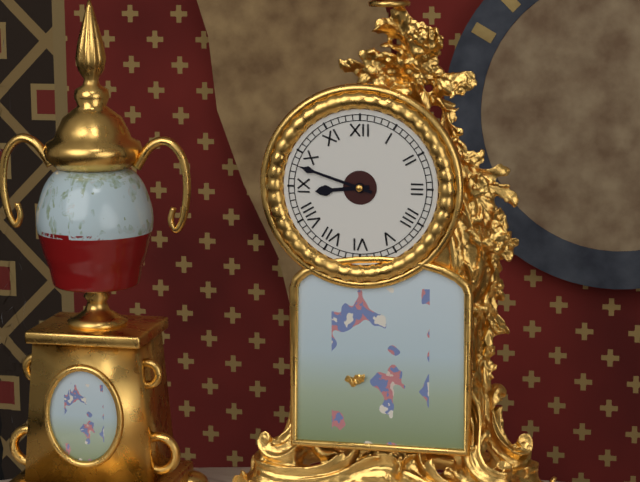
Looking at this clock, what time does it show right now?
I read 8:48
